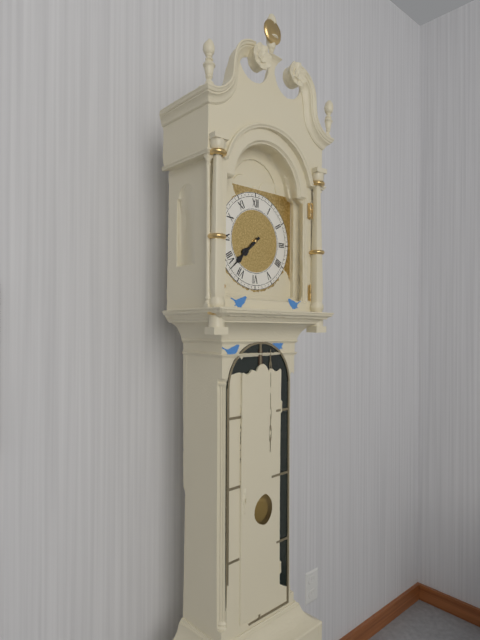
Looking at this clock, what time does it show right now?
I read 7:38
